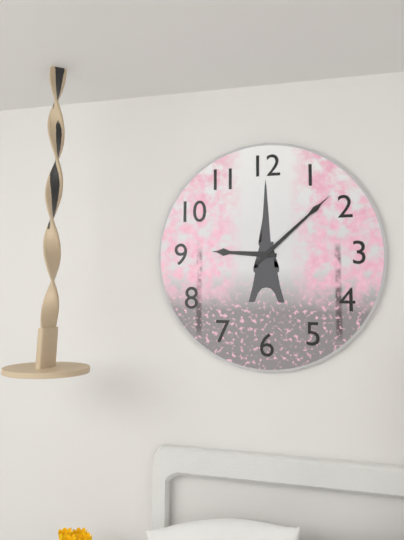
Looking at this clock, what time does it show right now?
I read 9:08
